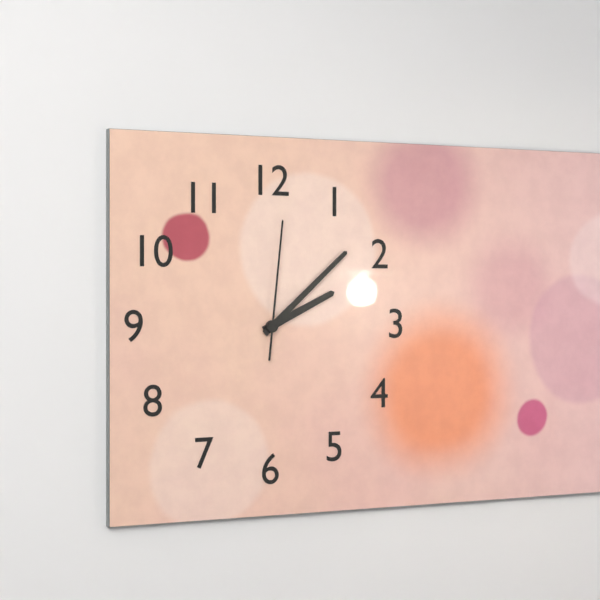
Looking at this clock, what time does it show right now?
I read 2:08:01
